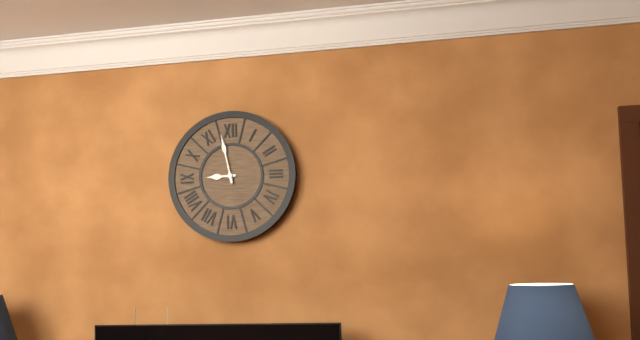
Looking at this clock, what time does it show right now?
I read 8:58
